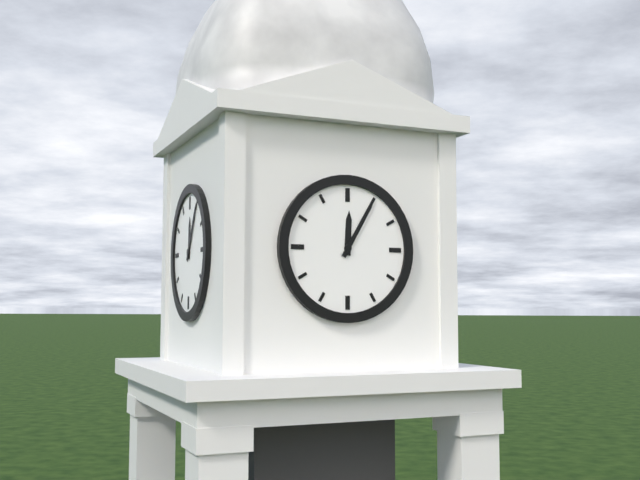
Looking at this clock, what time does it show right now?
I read 12:05
